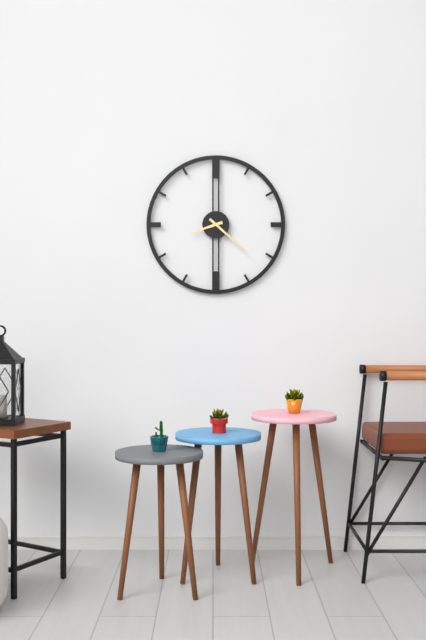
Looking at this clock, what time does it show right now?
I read 8:22
